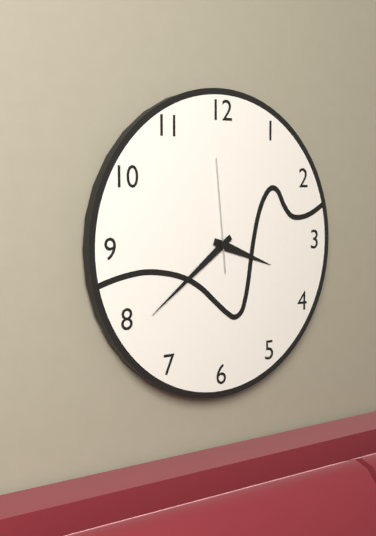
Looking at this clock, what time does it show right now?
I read 3:39:59
